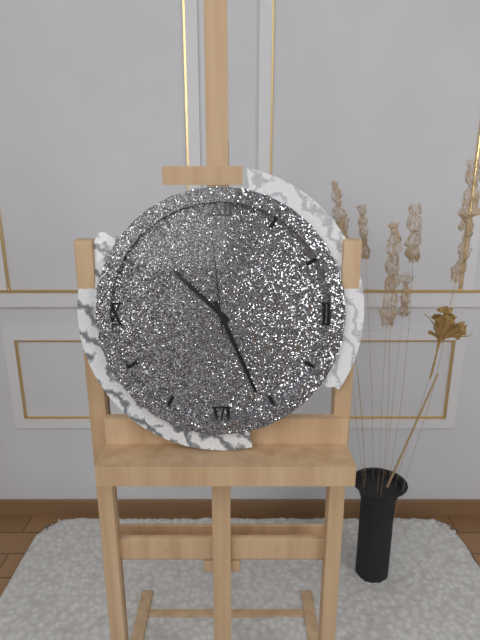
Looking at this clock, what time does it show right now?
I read 10:26:59
